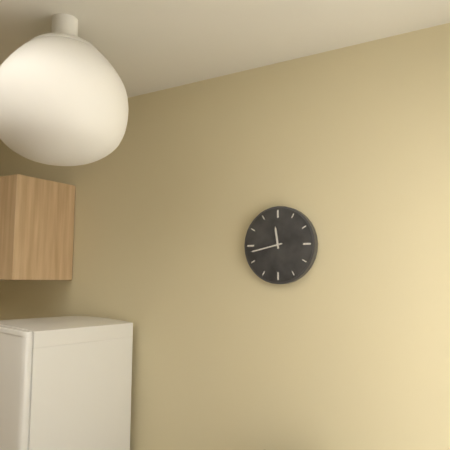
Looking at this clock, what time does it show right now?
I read 11:43
